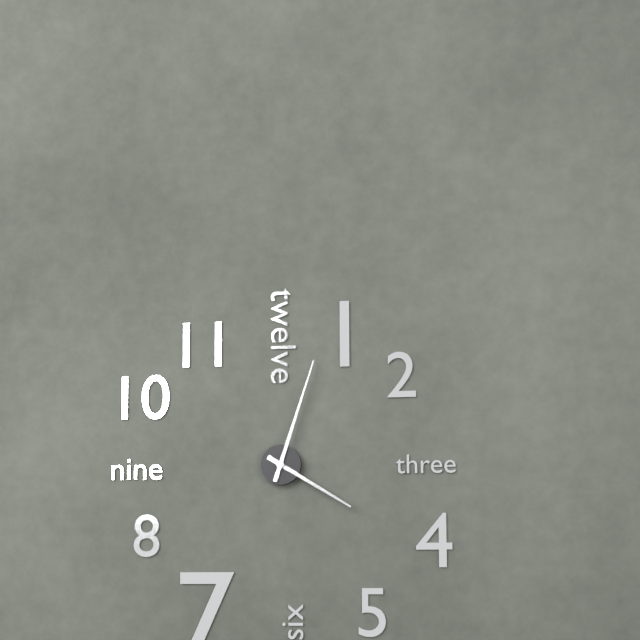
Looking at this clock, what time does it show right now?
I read 4:03
